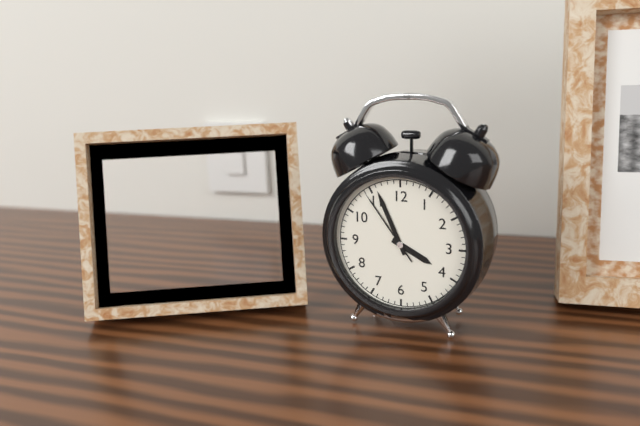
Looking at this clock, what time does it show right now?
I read 3:56:54
